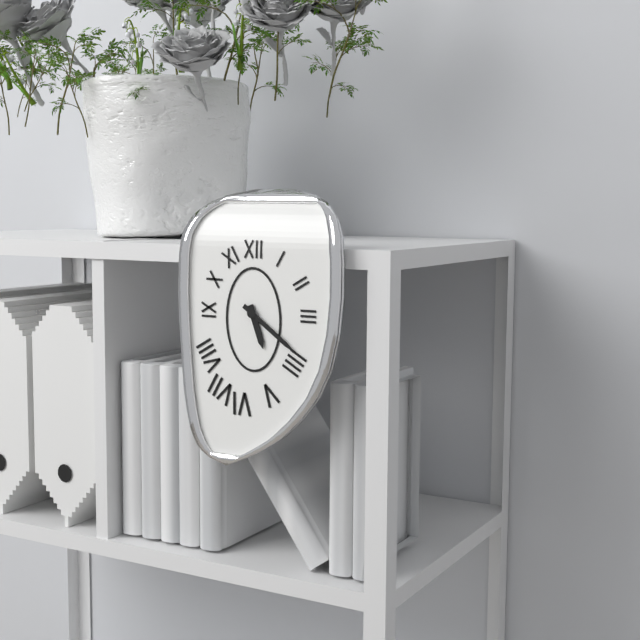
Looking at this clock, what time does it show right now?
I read 5:21
